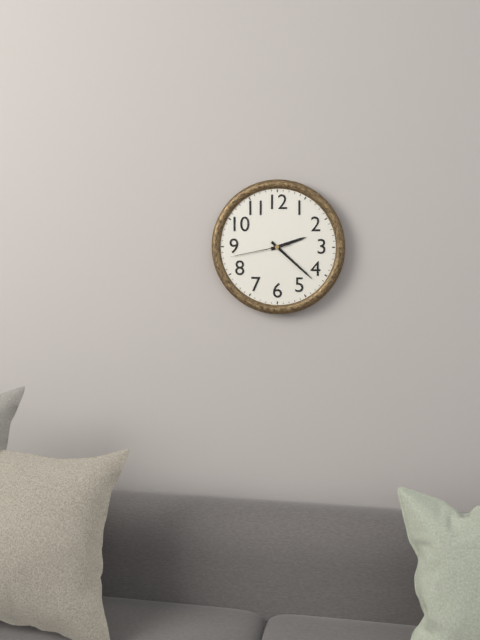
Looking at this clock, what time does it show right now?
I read 2:22:43
